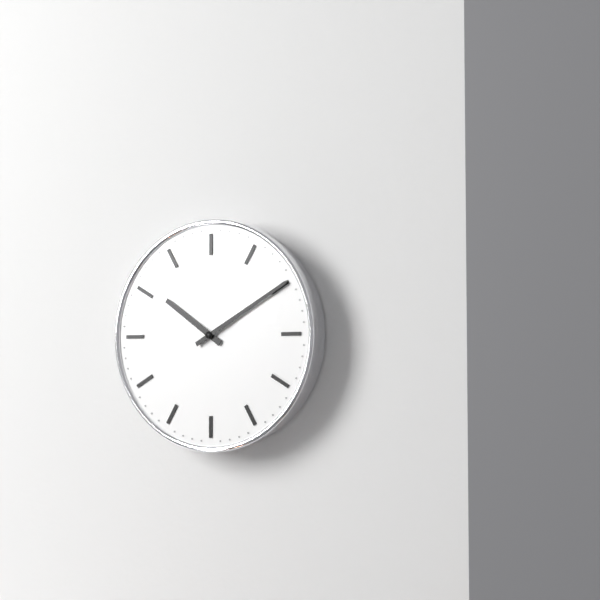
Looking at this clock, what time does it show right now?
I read 10:10
